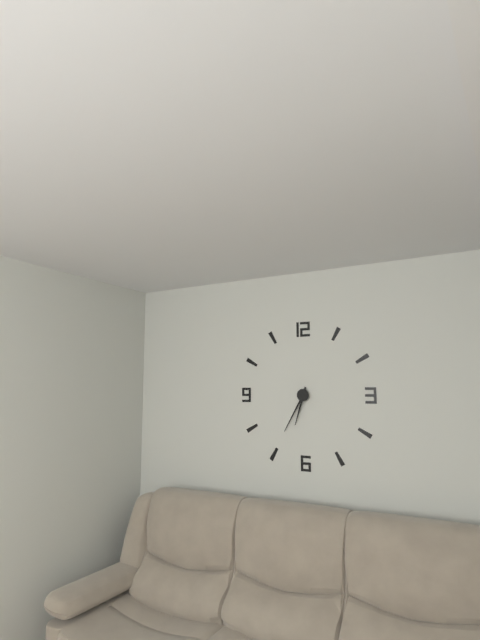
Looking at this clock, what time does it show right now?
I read 6:35
